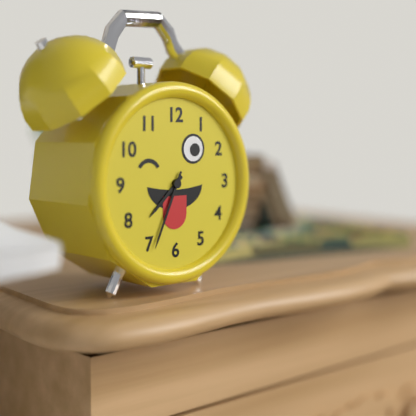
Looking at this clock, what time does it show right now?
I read 7:34
